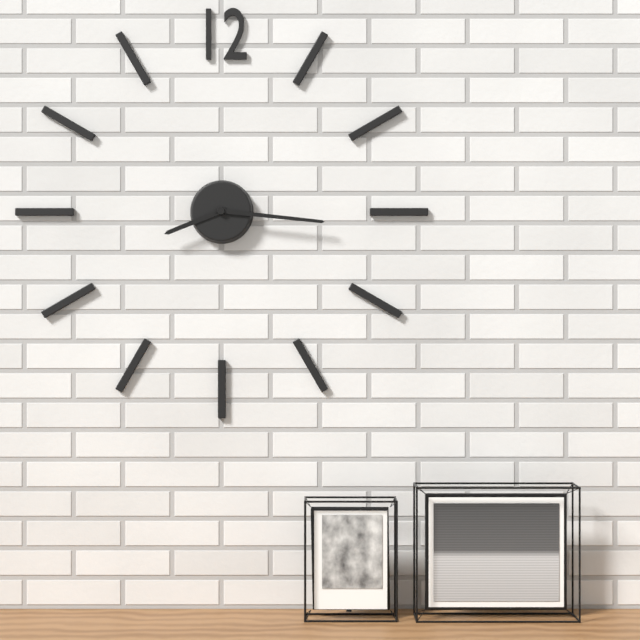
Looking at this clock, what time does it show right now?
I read 8:16
